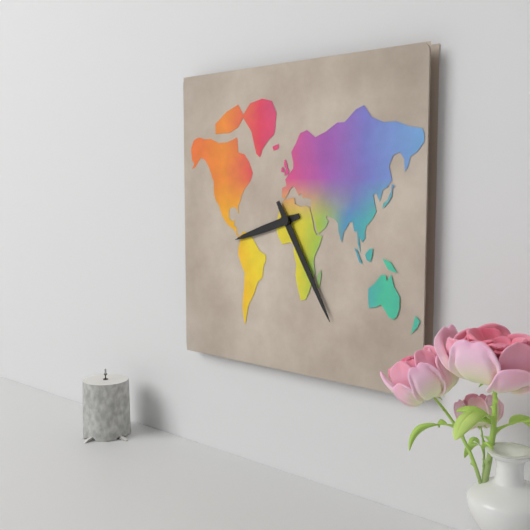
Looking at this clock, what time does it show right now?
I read 8:25
